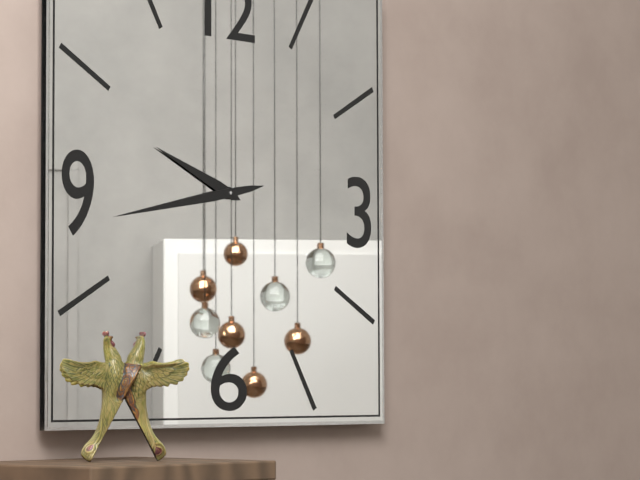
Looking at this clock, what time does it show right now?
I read 9:43
